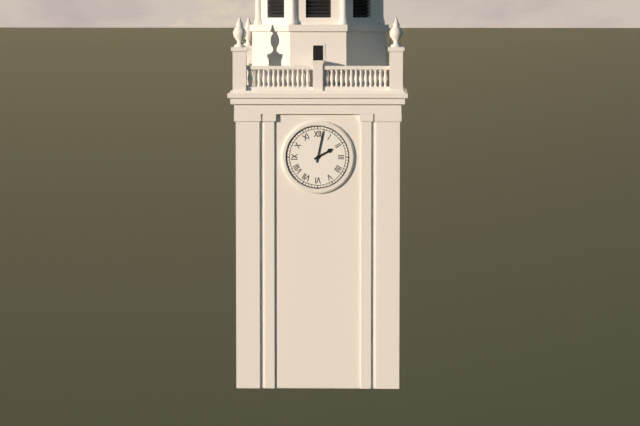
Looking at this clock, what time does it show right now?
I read 2:02
